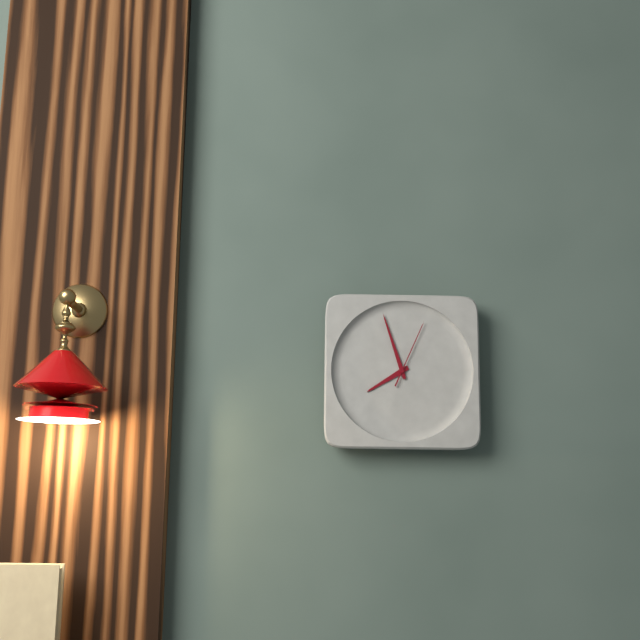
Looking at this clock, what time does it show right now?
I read 7:57:04
